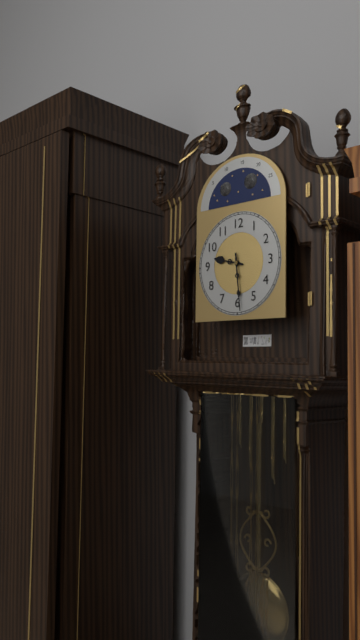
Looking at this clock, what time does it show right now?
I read 9:29
